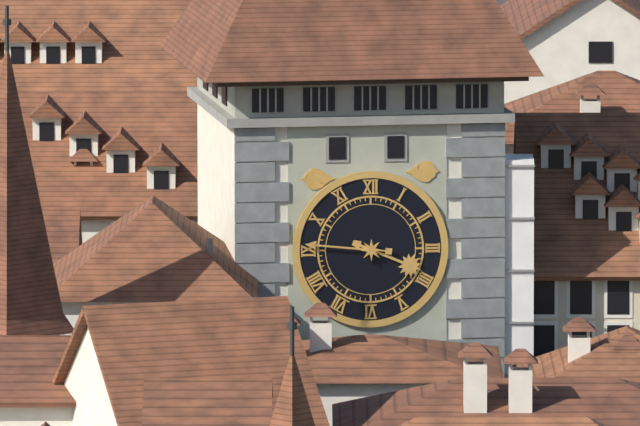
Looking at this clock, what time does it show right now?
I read 3:46
